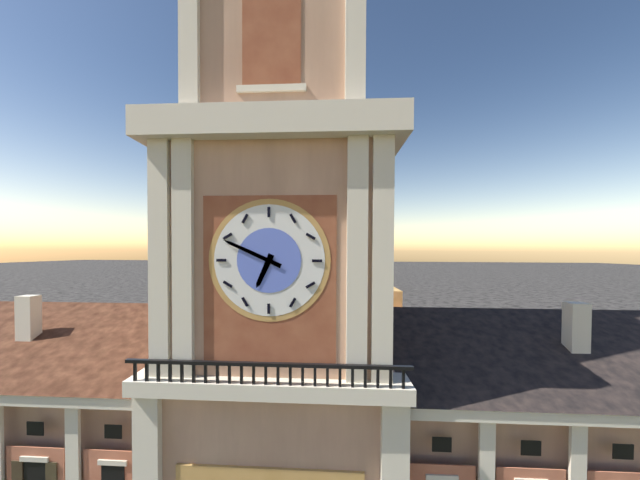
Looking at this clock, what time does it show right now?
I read 6:49
